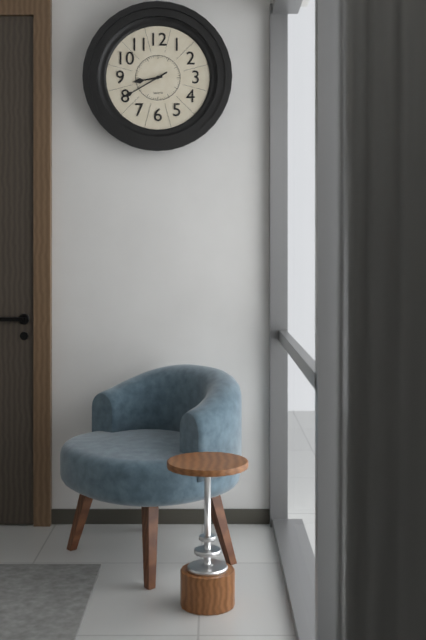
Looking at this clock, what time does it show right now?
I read 8:40
